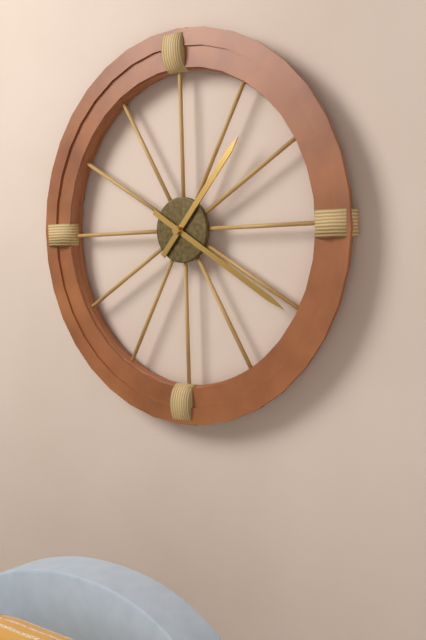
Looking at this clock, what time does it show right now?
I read 1:20
